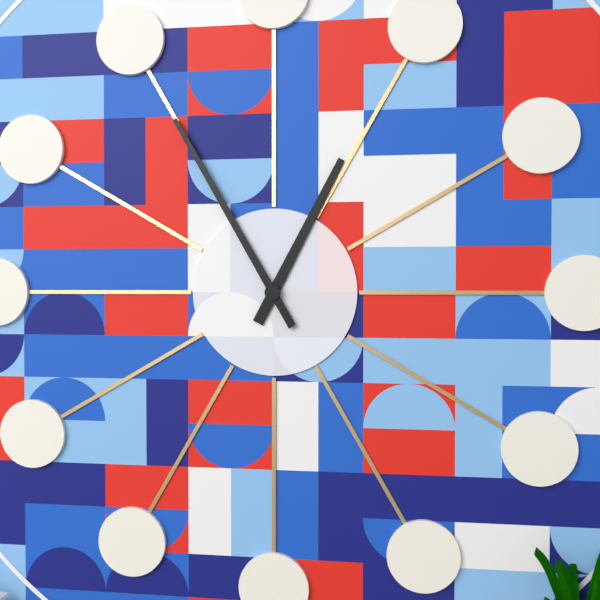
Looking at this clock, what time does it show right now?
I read 12:55
